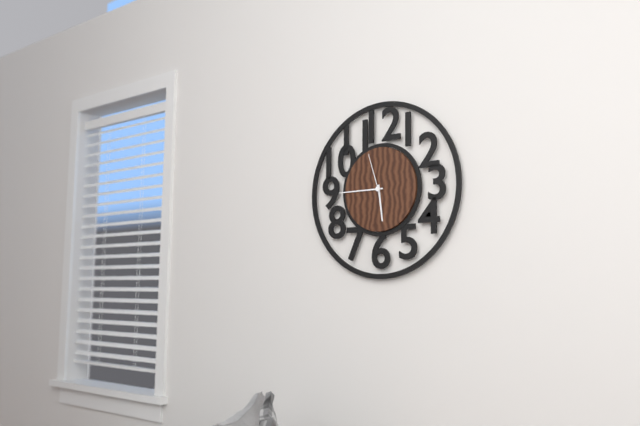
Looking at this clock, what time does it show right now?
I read 5:45
